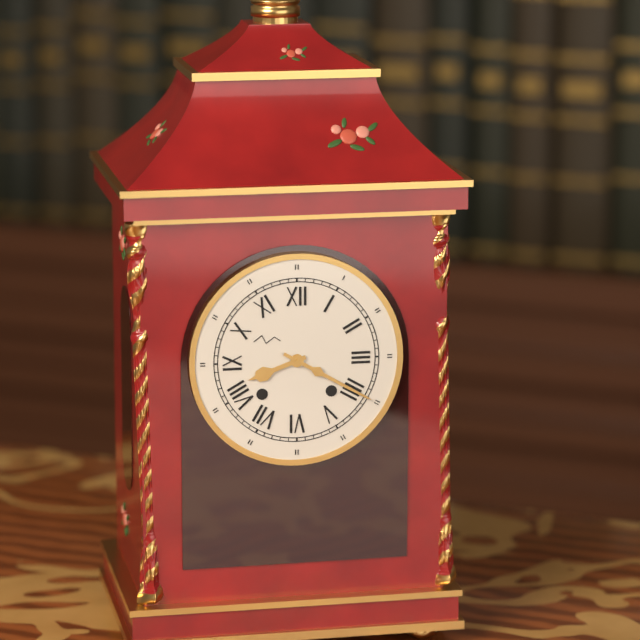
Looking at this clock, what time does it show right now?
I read 8:20
